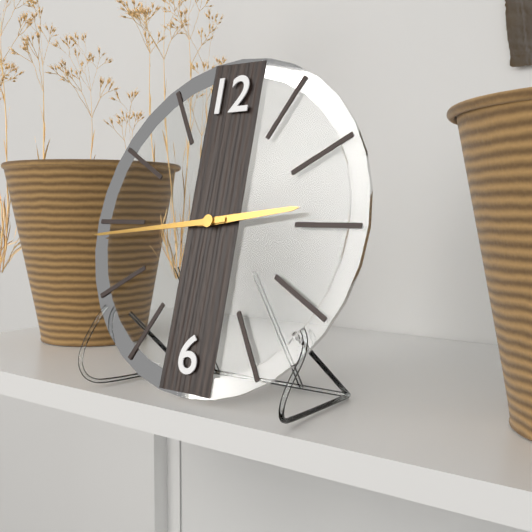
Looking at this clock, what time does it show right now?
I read 2:44
